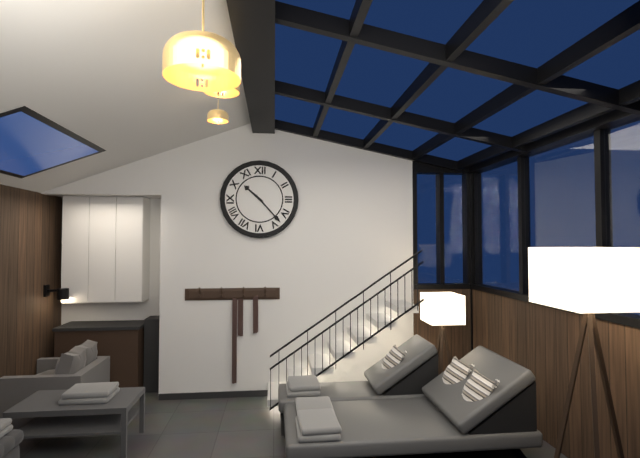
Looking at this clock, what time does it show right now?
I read 10:23
